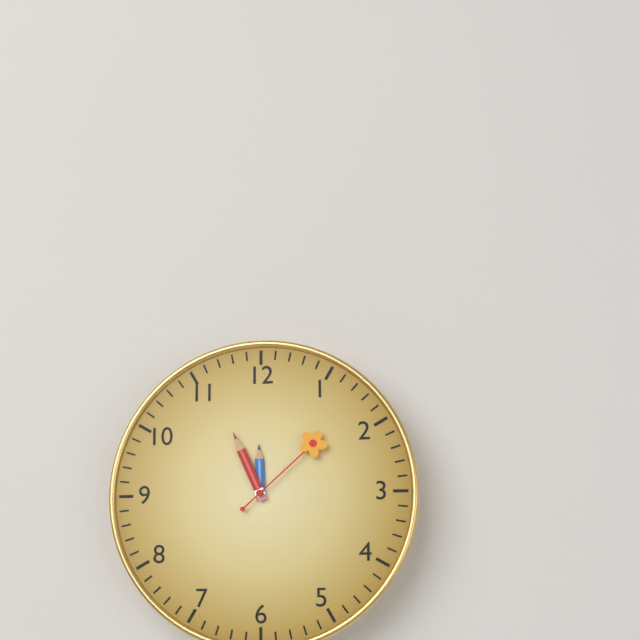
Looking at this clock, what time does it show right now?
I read 11:56:08
